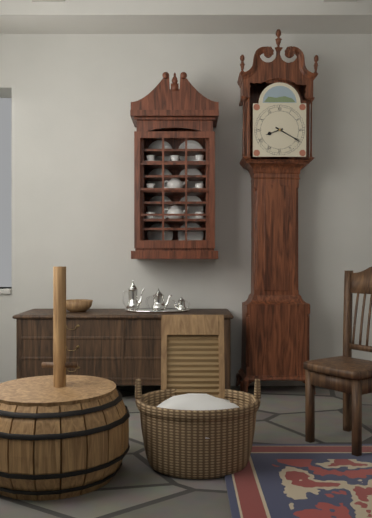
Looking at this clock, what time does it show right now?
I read 8:20
